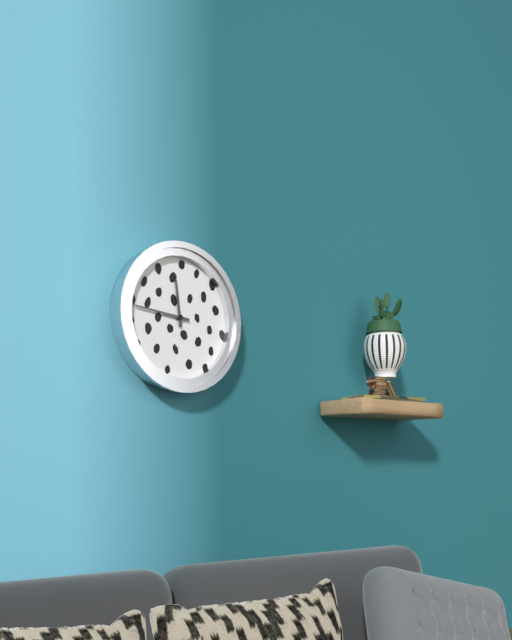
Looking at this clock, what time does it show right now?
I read 11:46
